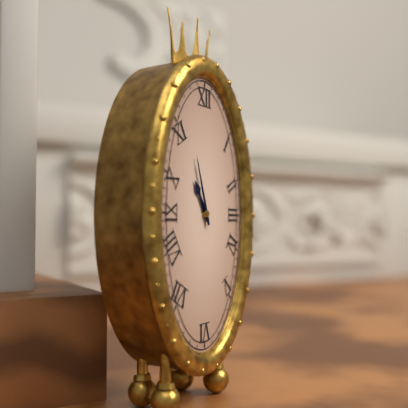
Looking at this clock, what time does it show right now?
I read 10:57
